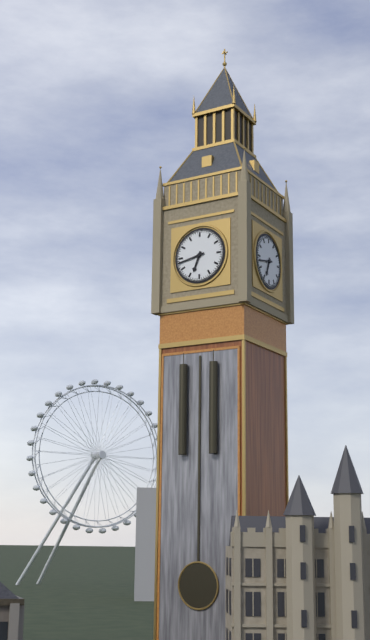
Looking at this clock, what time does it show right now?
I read 6:43
